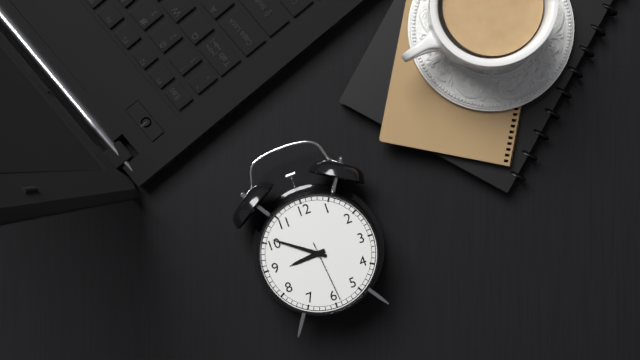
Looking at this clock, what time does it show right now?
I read 8:51:29
